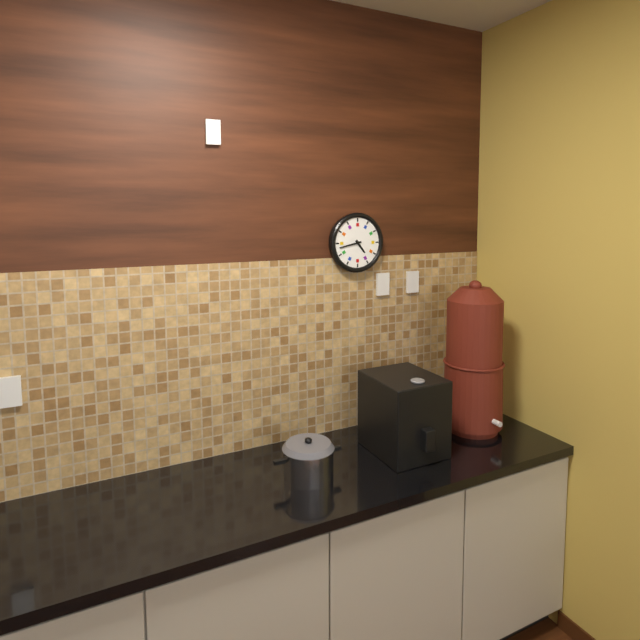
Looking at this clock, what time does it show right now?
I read 4:43
